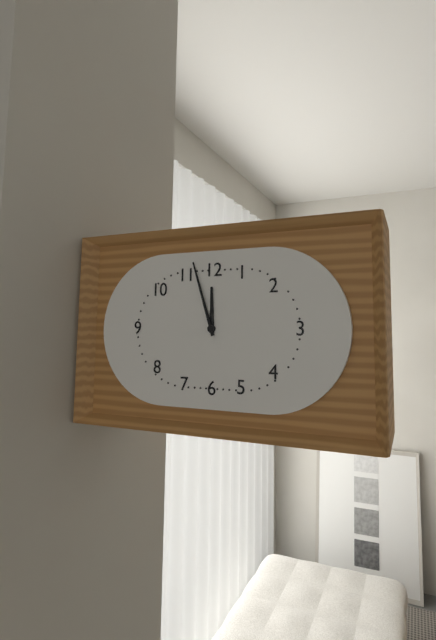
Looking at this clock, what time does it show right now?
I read 11:57
